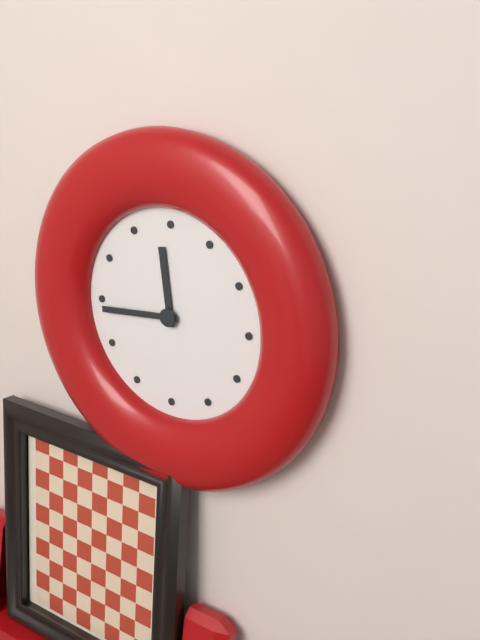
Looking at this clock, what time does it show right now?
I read 11:44
